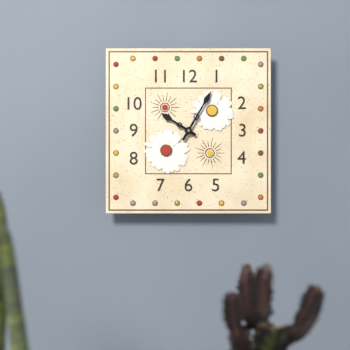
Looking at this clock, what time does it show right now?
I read 10:05
